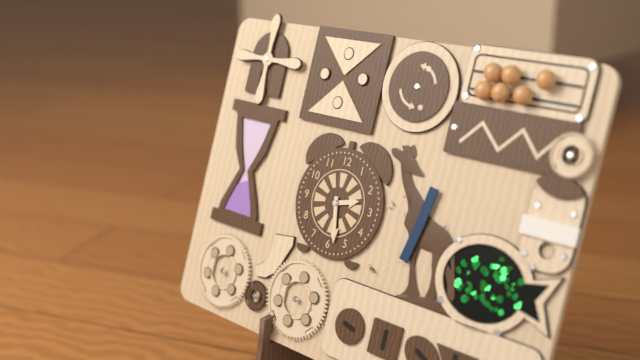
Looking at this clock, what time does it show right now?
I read 2:28
